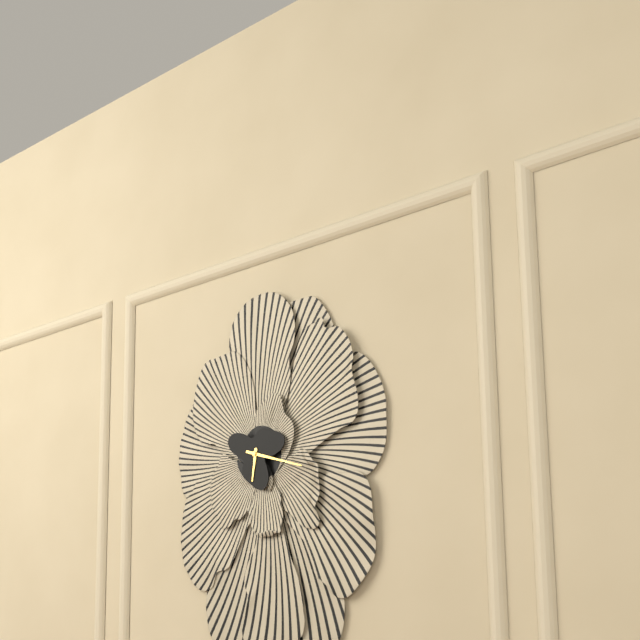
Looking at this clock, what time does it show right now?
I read 6:18
